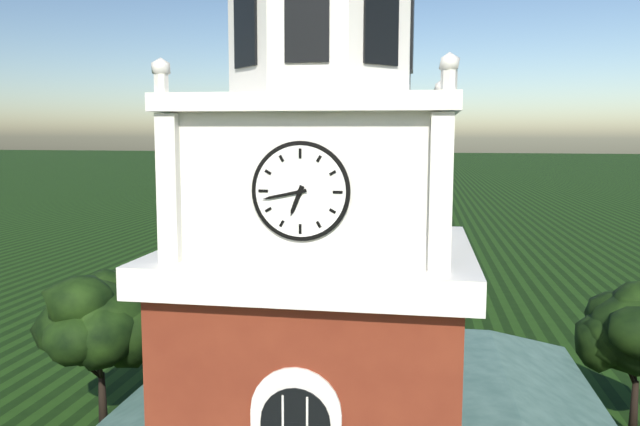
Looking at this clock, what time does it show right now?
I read 6:43
